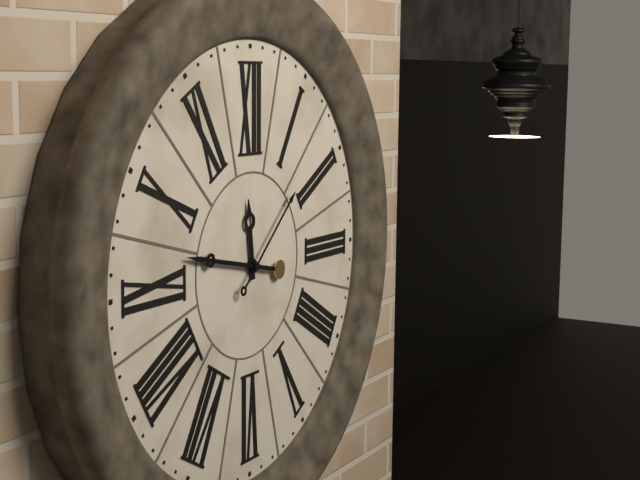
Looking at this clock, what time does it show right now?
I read 11:47:08
